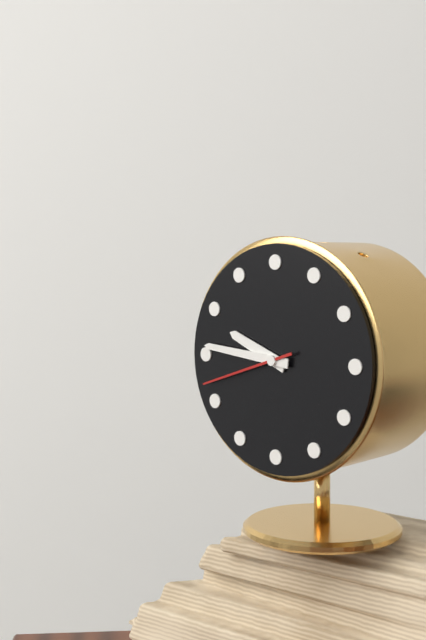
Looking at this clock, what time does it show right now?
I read 9:46:42
